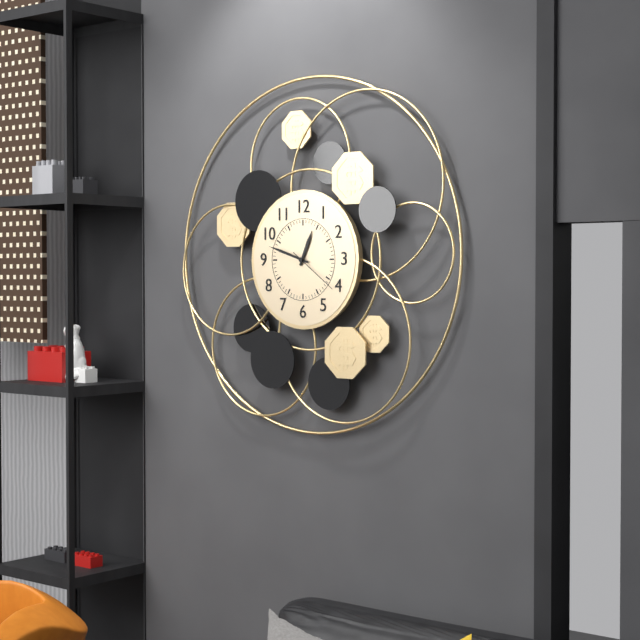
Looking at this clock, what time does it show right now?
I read 12:48:21
